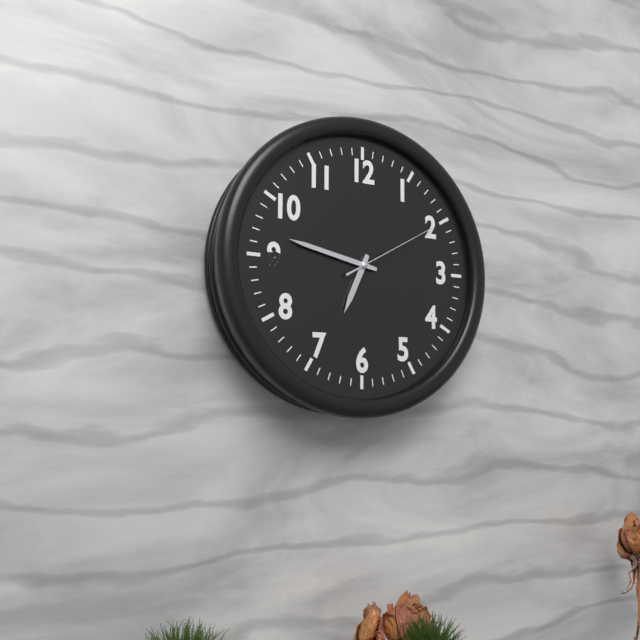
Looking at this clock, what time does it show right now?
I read 6:47:10
